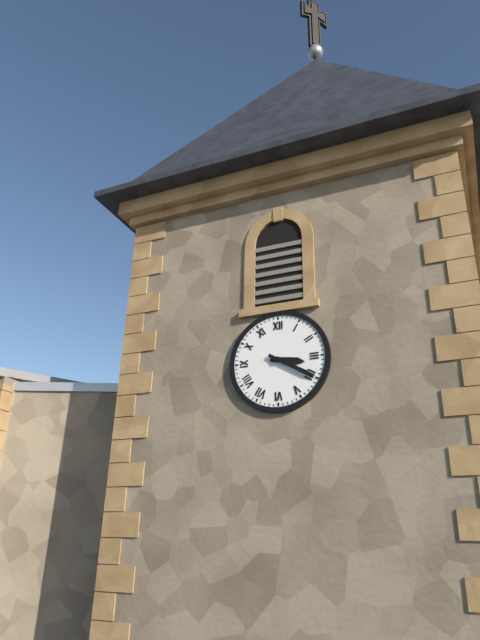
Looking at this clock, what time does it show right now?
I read 3:20
